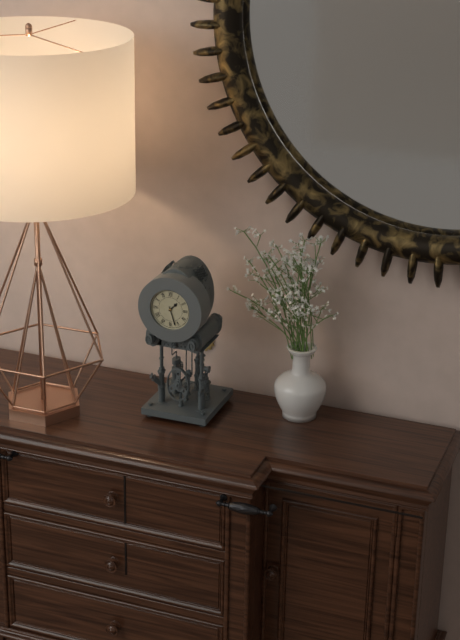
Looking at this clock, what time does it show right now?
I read 1:27
